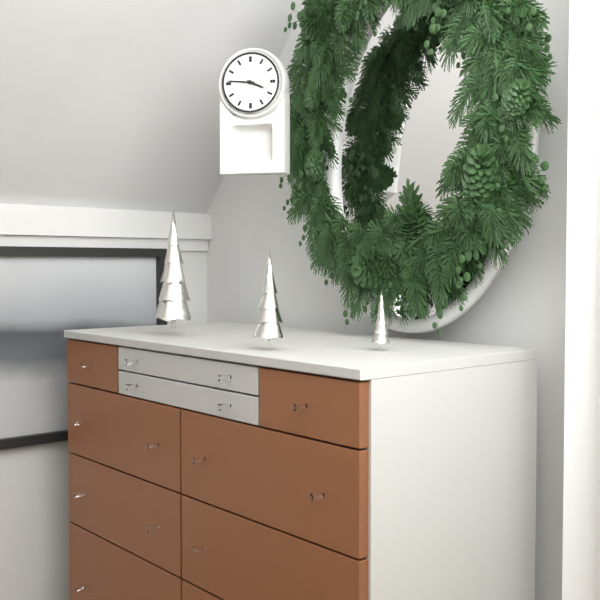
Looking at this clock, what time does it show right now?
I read 3:46
